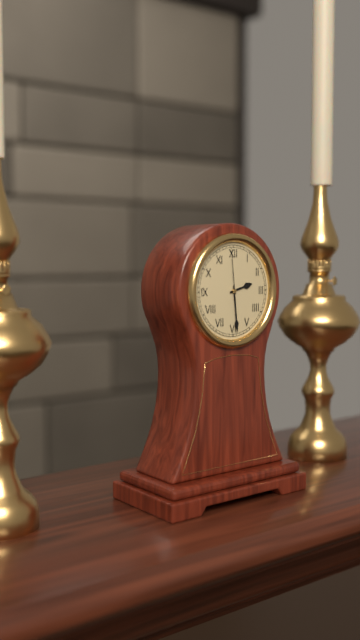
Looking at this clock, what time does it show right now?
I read 2:29:59
